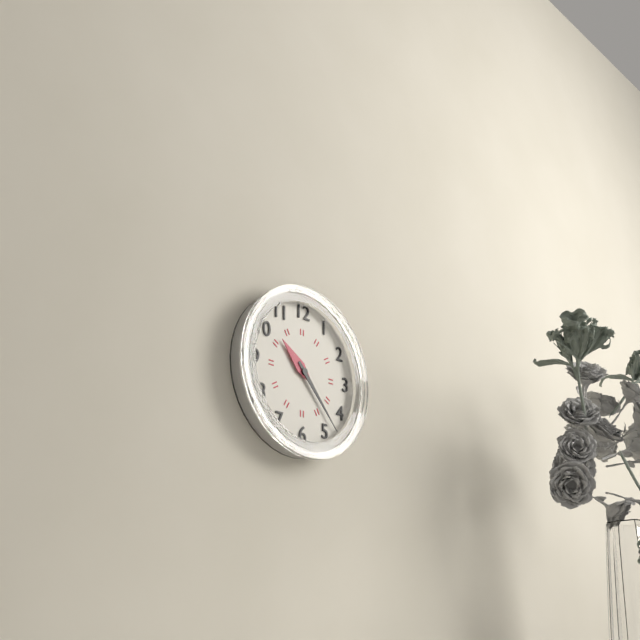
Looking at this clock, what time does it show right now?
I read 10:23
